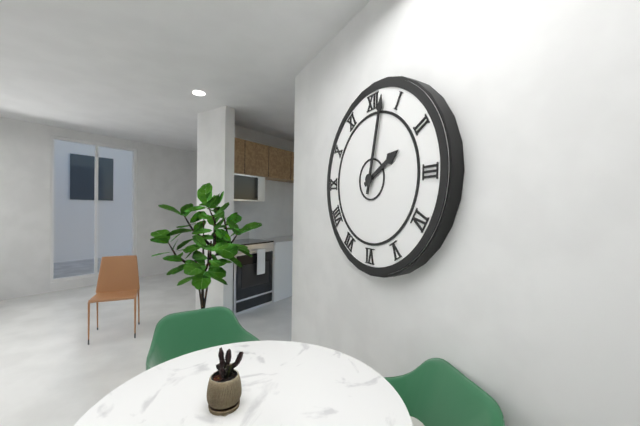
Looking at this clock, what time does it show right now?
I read 2:02
